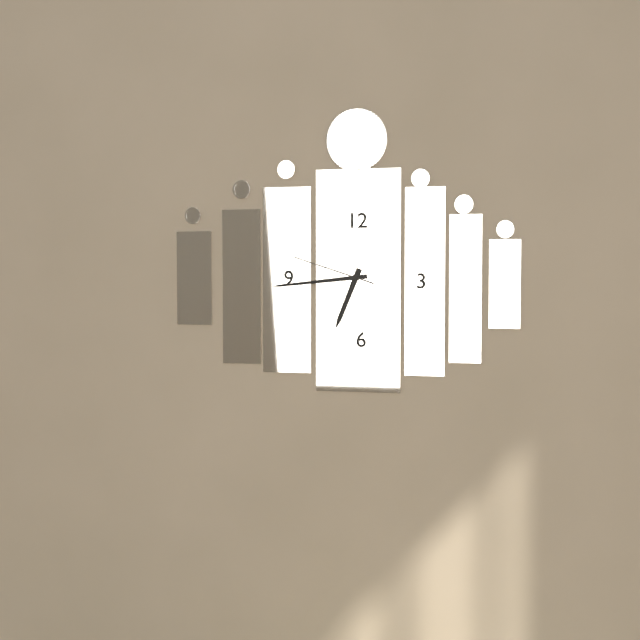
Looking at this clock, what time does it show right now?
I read 6:44:48
